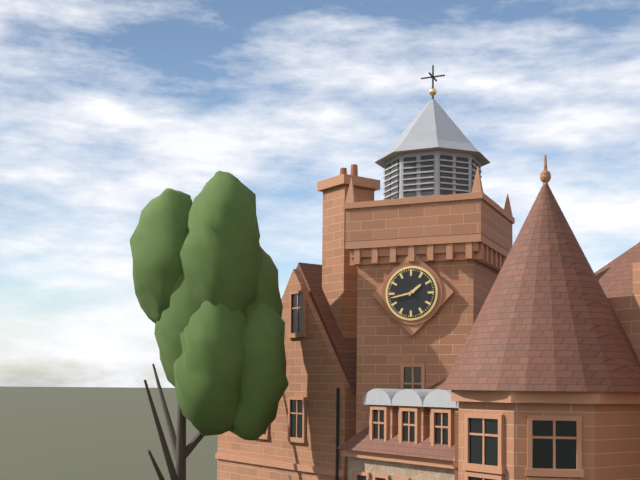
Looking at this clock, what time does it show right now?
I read 1:43
